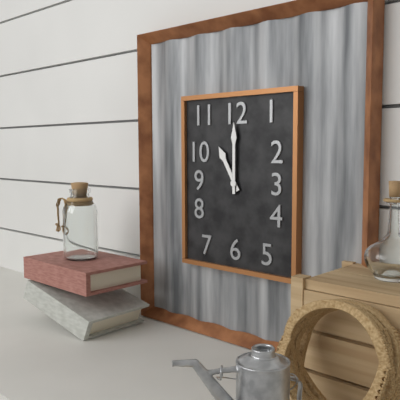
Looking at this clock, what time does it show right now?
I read 11:00
